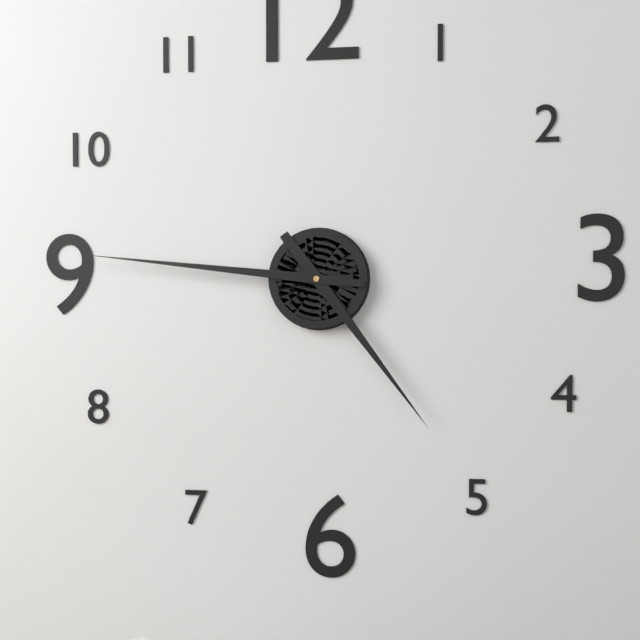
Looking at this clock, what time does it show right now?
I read 4:46
